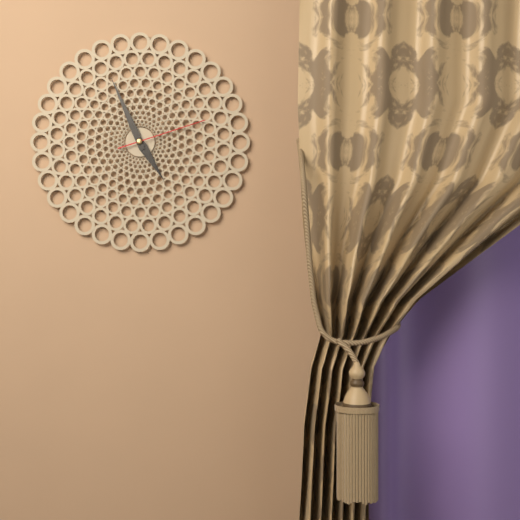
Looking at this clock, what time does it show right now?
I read 4:56:12
